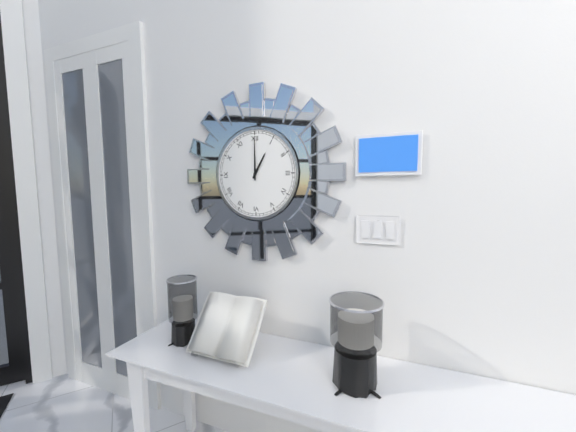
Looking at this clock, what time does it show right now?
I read 1:00
